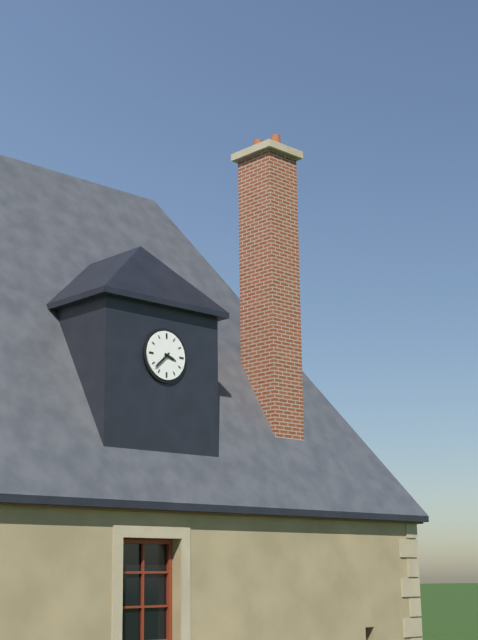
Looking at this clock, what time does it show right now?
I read 3:38
